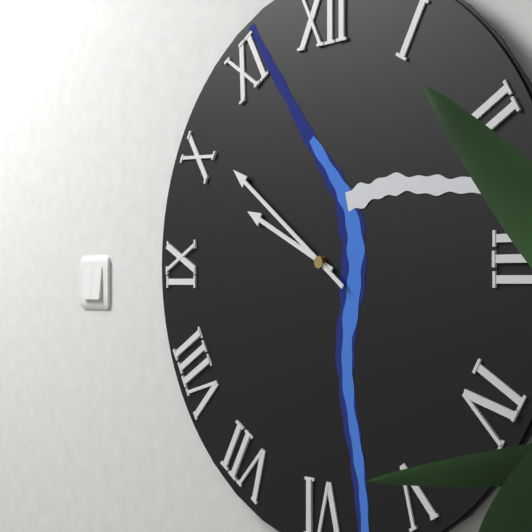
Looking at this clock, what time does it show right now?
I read 9:51
